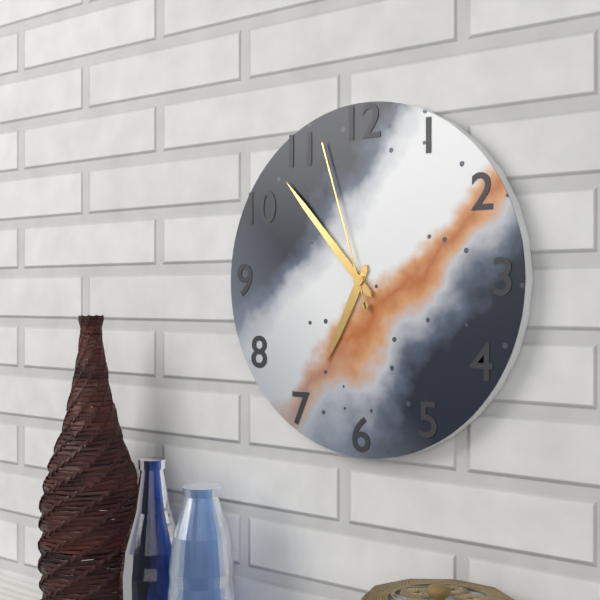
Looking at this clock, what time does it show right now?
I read 6:53:57
